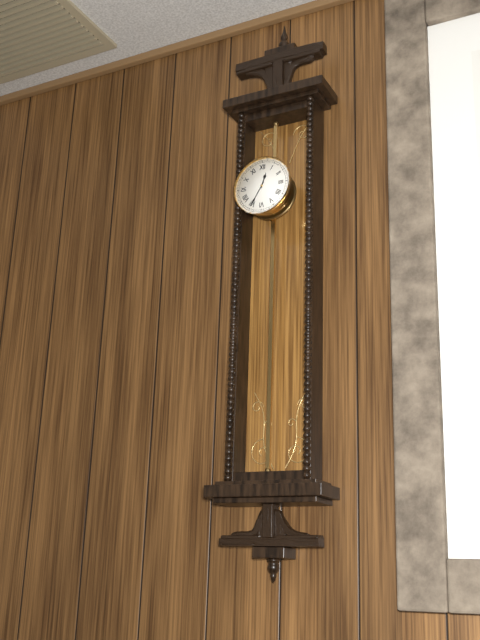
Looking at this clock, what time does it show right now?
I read 12:35
